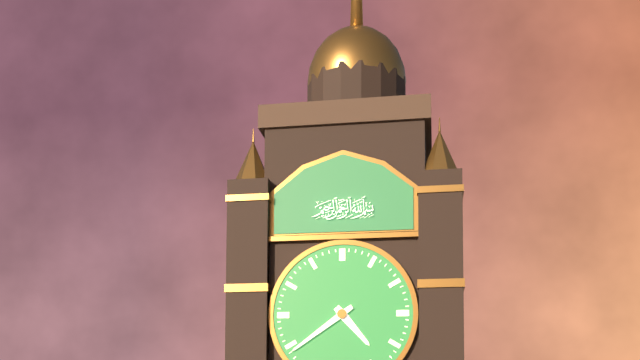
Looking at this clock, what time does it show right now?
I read 4:39
